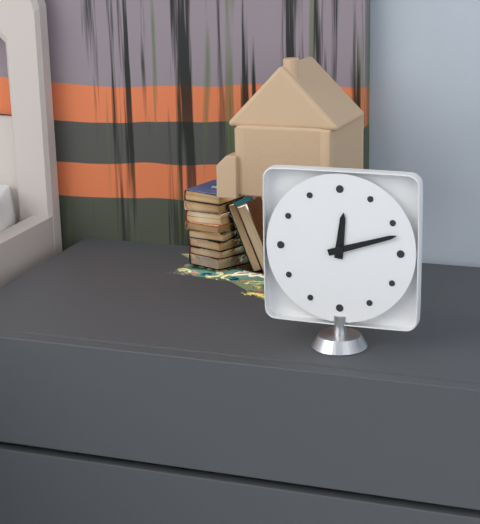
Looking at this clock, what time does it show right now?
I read 12:12
